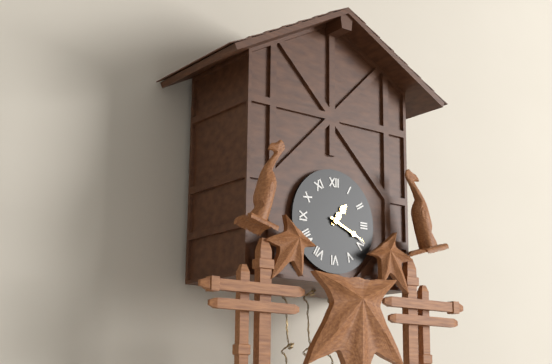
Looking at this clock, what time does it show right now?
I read 1:19
